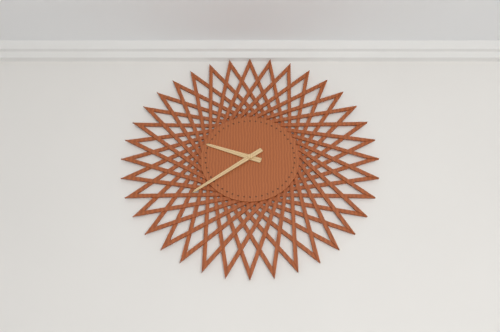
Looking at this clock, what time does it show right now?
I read 9:39
